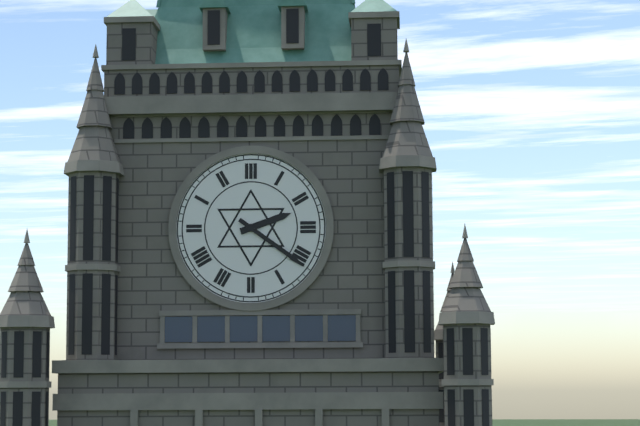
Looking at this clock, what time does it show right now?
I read 2:21
